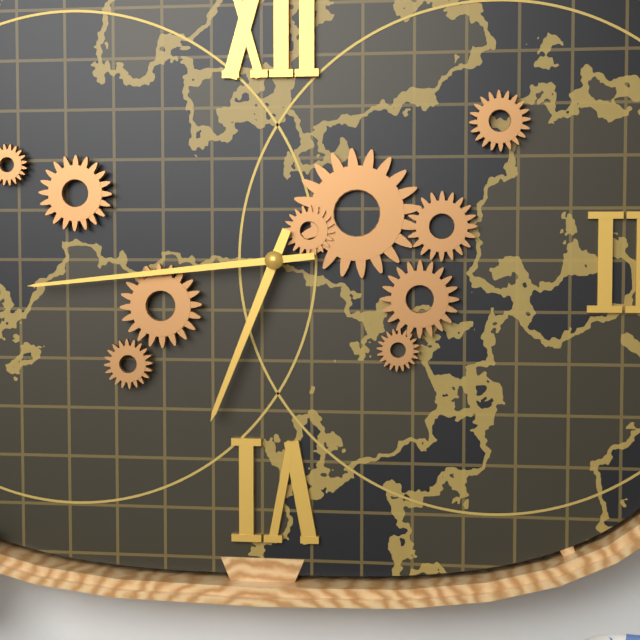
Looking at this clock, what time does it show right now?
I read 6:44
